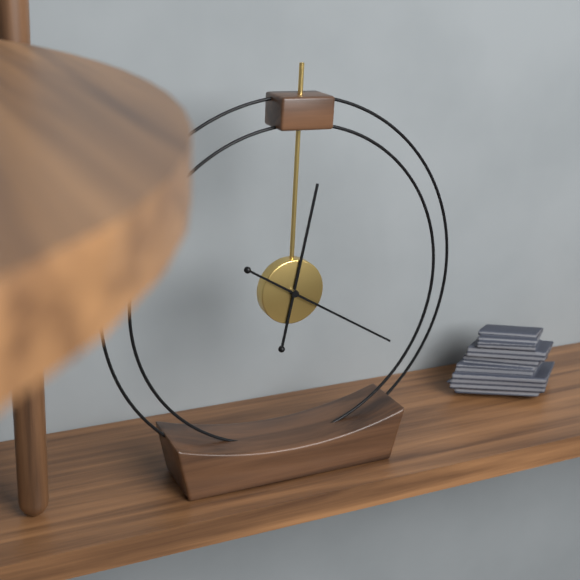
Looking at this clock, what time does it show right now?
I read 12:20
